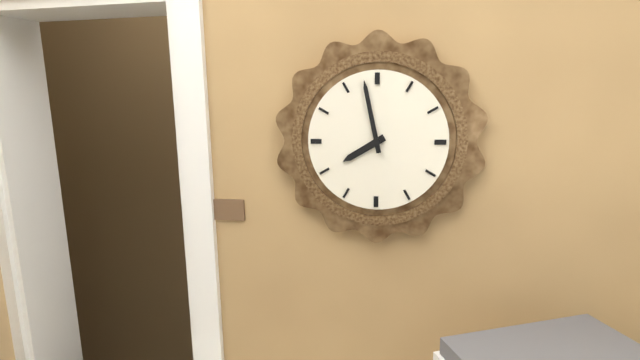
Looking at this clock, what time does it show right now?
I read 7:58
